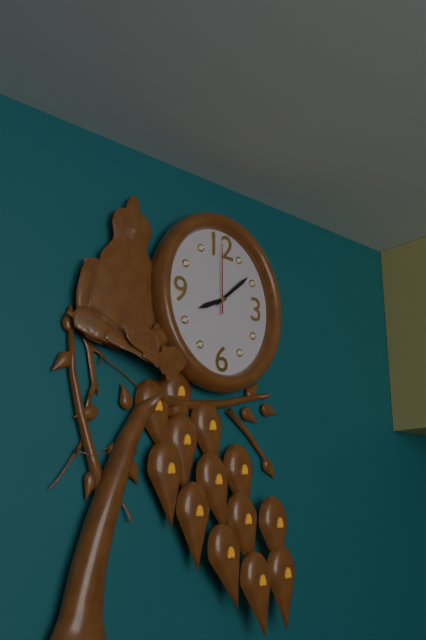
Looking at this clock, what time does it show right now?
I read 8:08:00
